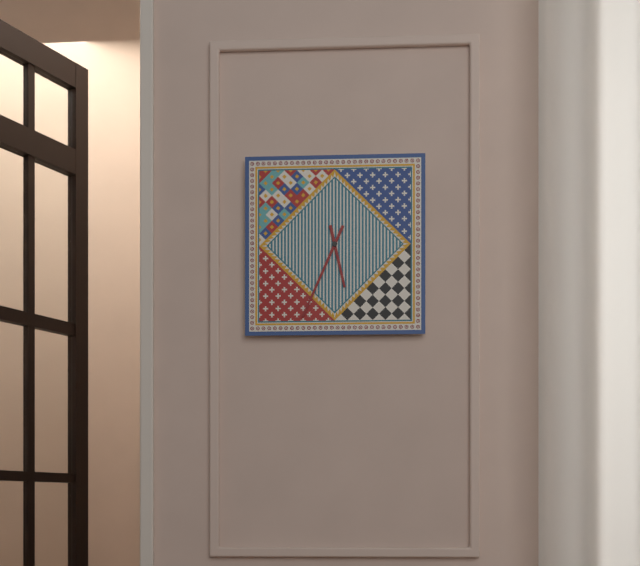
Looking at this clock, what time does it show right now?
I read 5:34
